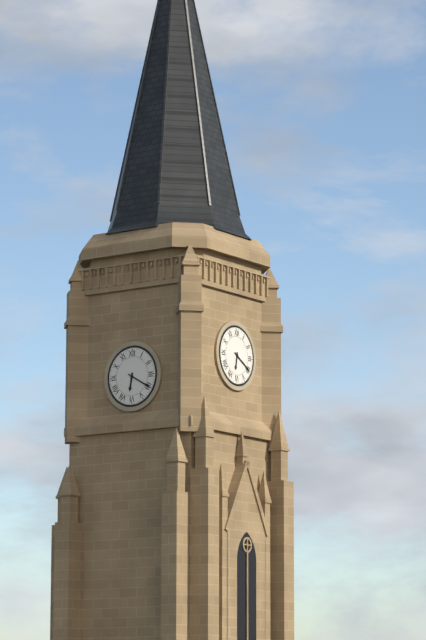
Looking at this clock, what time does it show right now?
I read 6:20
